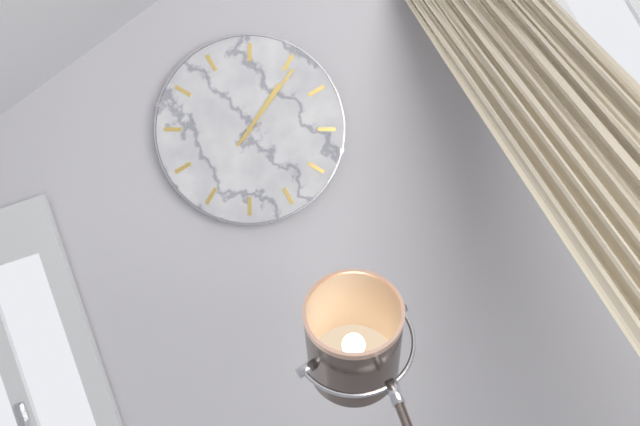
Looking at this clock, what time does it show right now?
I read 1:06
